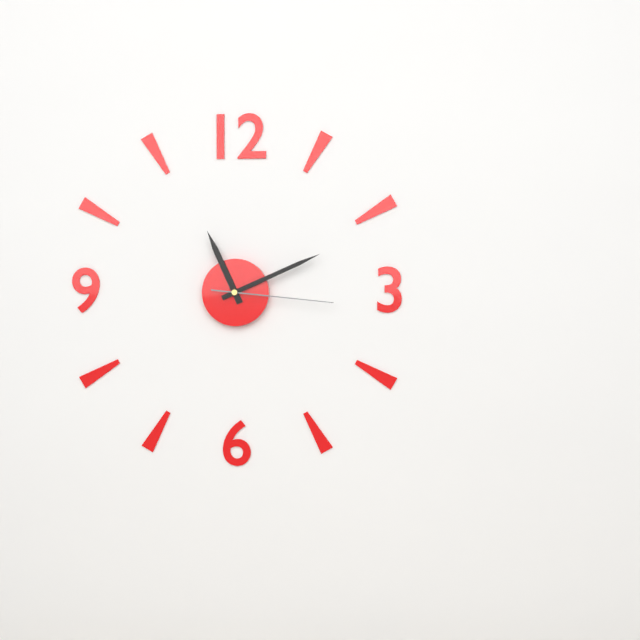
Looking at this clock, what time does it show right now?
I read 11:11:16
